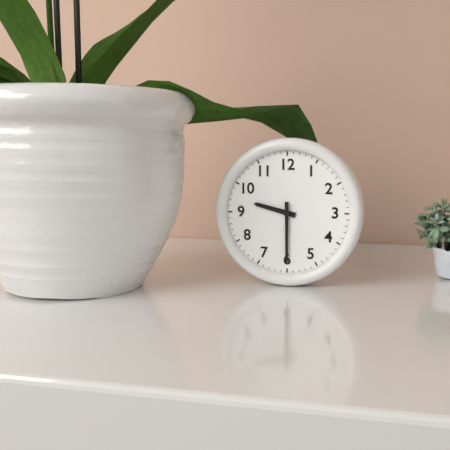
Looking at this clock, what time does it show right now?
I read 9:30
